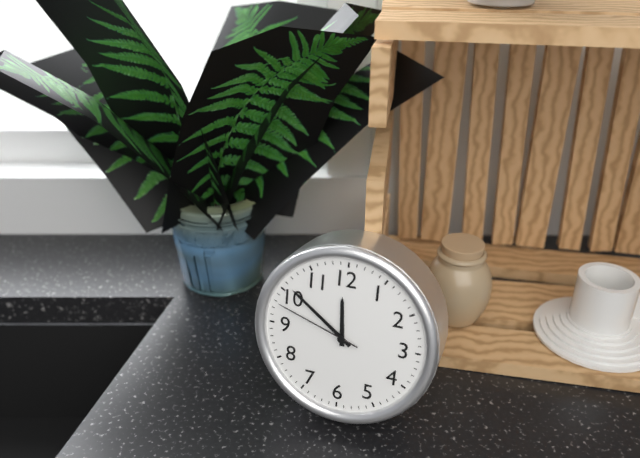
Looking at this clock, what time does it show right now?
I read 11:51:48
